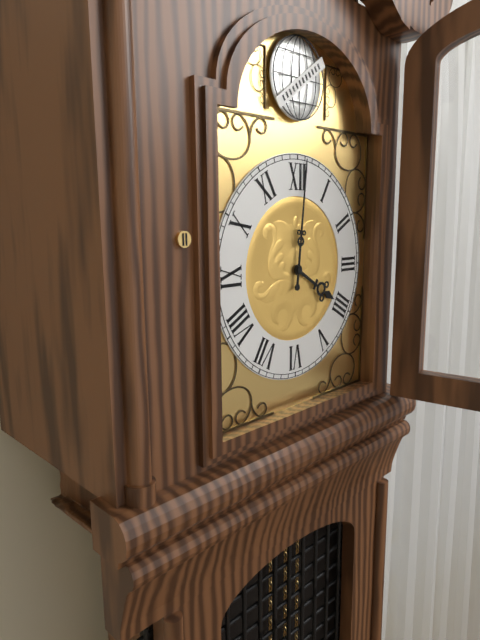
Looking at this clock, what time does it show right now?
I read 4:01
